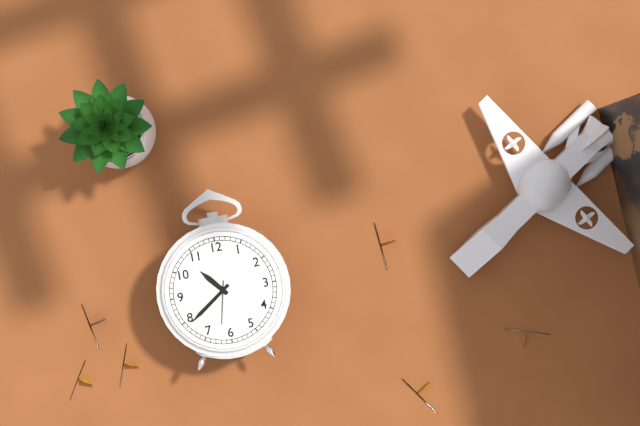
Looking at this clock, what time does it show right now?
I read 10:39
